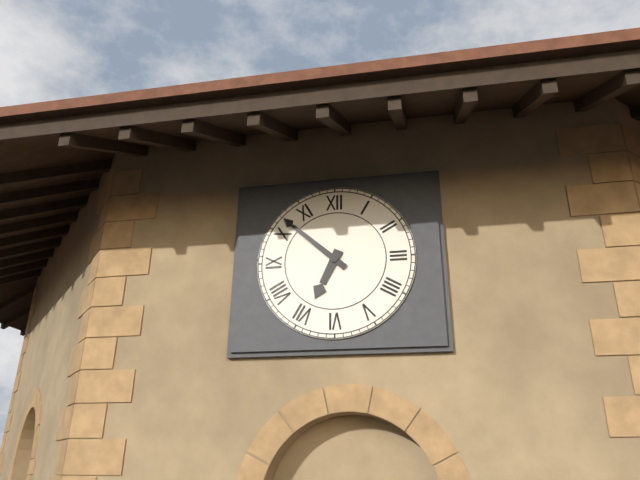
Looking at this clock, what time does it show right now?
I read 6:52
